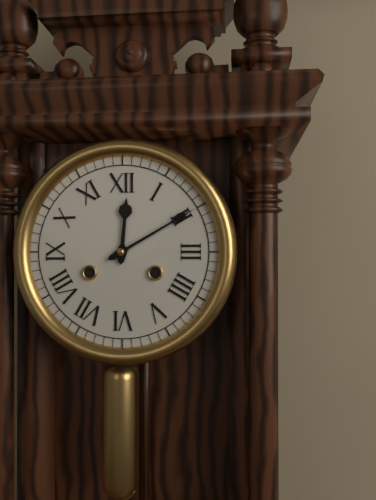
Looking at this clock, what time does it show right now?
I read 12:10
